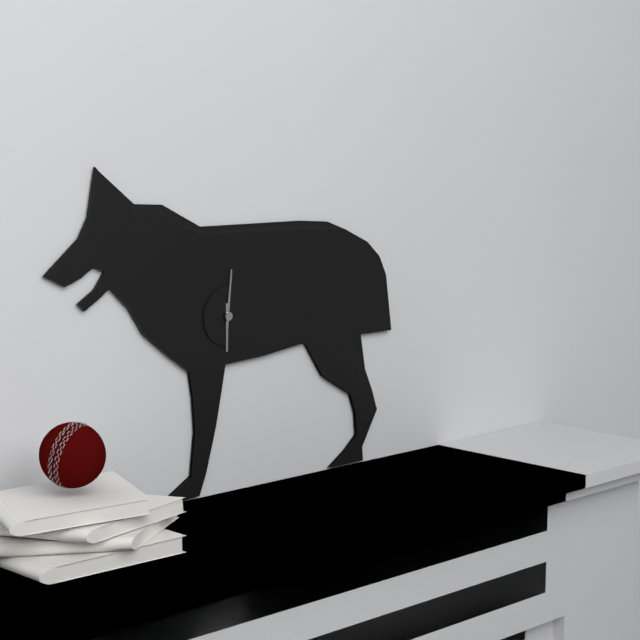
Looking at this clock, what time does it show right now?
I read 6:01
